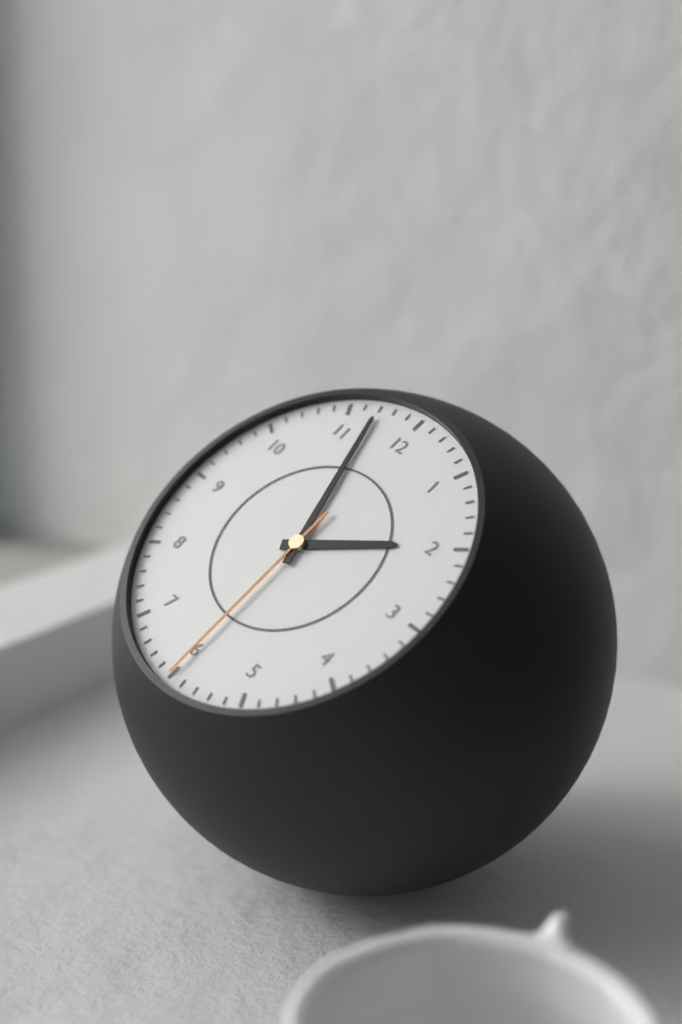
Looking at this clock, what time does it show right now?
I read 1:57:30
